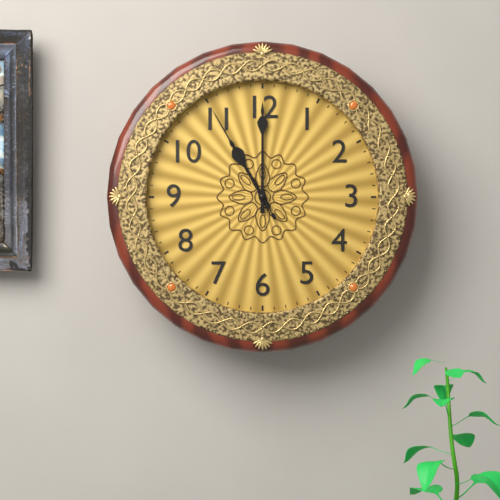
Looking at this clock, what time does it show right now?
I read 11:00:55
